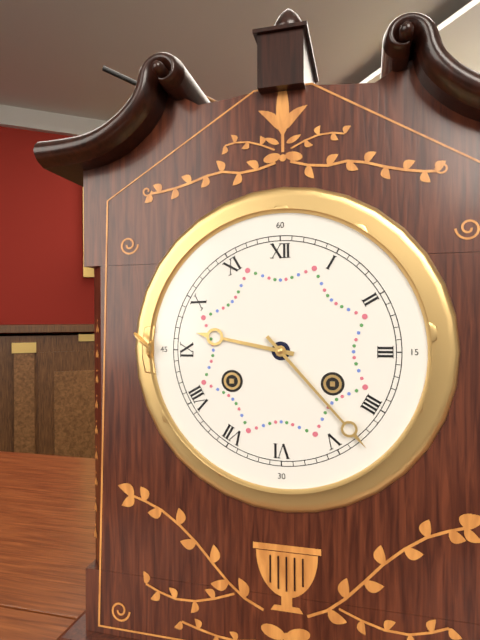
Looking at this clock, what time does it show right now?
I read 9:23
